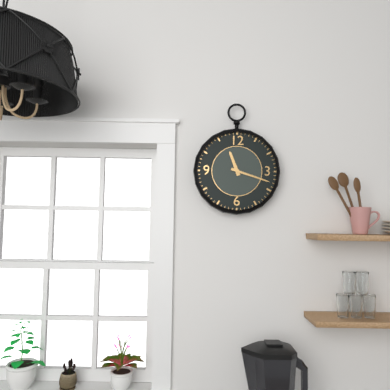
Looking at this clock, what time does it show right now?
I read 11:18
